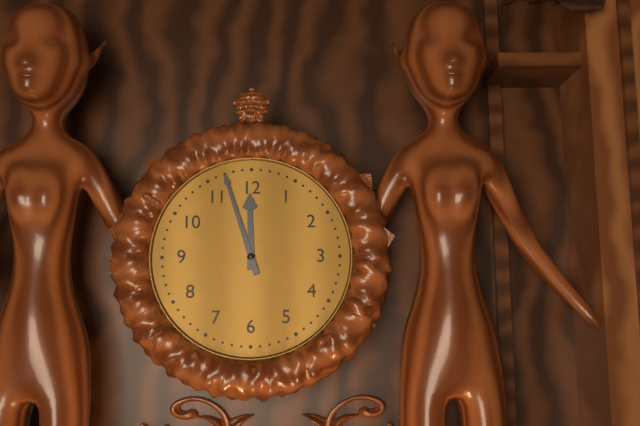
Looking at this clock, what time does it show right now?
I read 11:57
